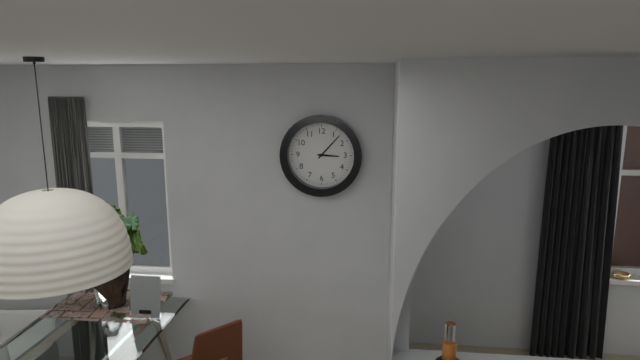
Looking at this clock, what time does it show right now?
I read 3:07
